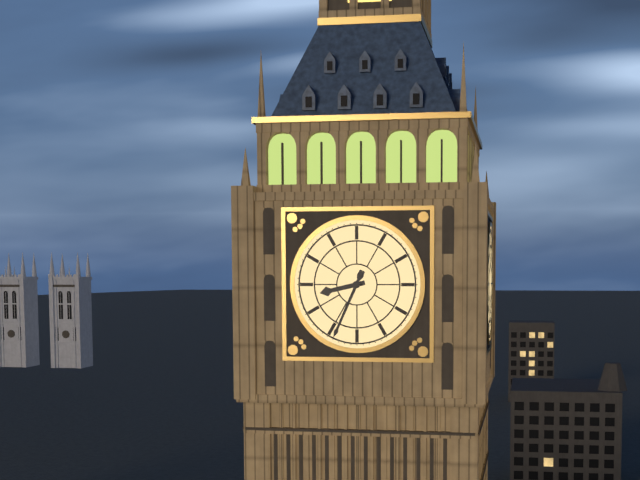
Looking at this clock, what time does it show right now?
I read 8:34
